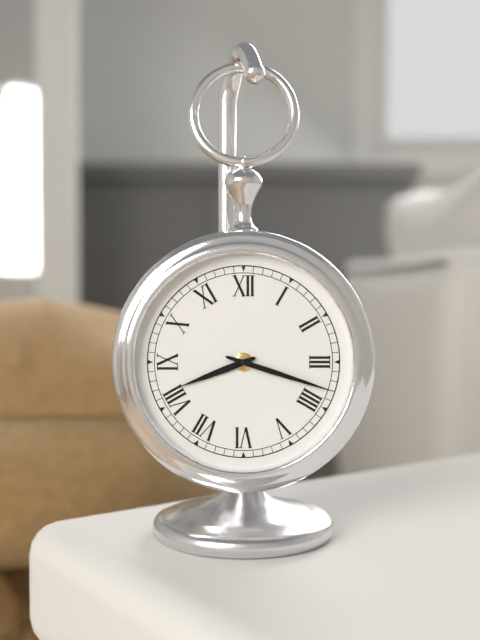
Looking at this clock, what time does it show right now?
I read 8:18
